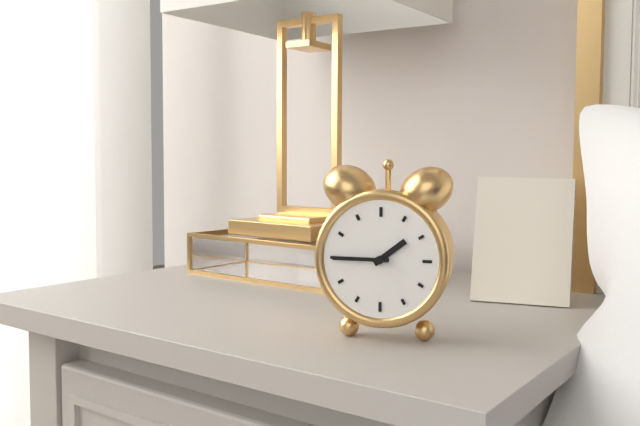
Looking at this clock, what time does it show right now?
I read 1:45
